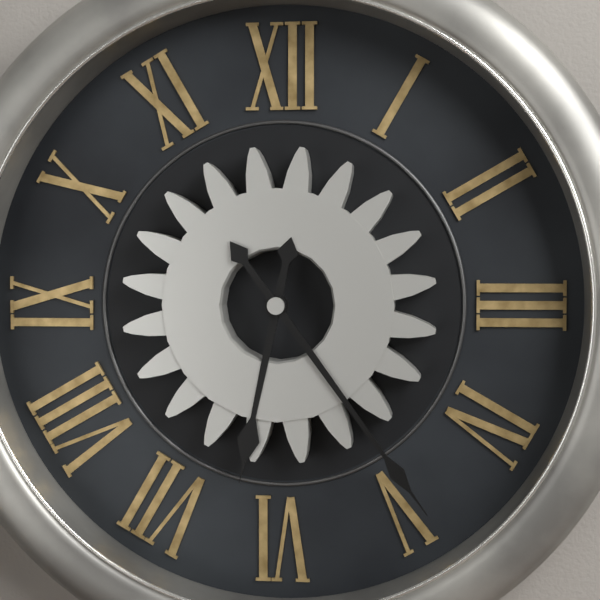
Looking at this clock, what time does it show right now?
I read 6:24
